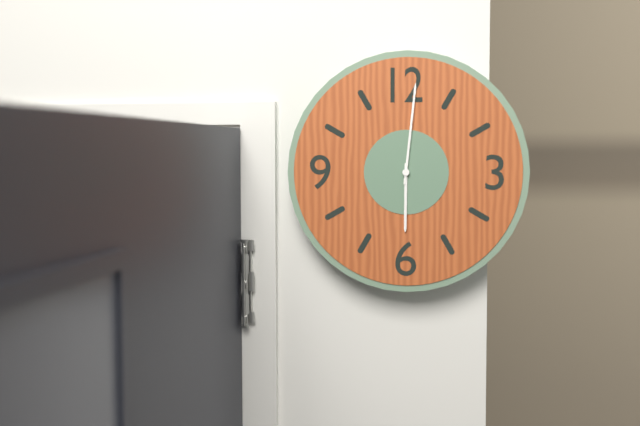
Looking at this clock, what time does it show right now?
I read 6:01
